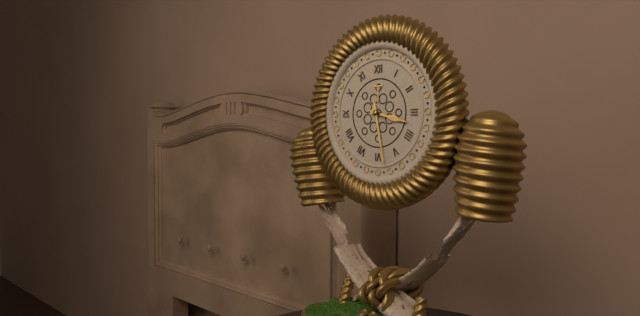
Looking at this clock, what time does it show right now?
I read 3:28
